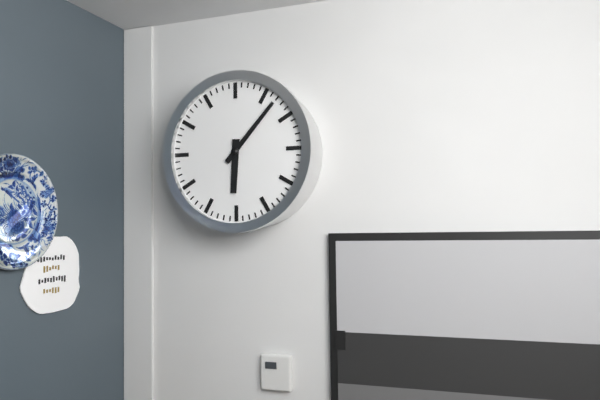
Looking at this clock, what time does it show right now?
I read 6:07
